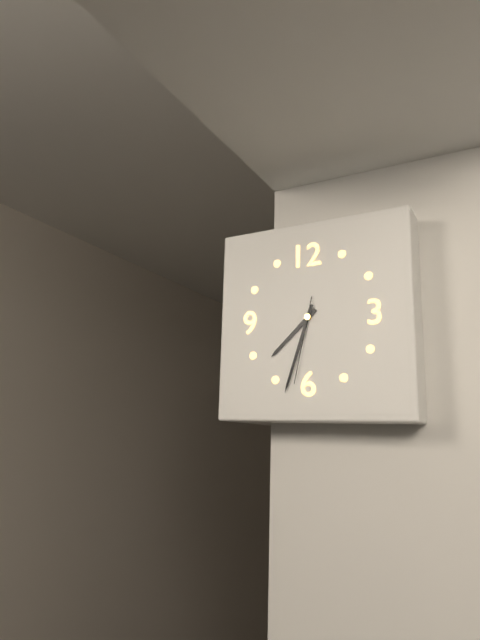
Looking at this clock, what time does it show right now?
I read 7:33:32
